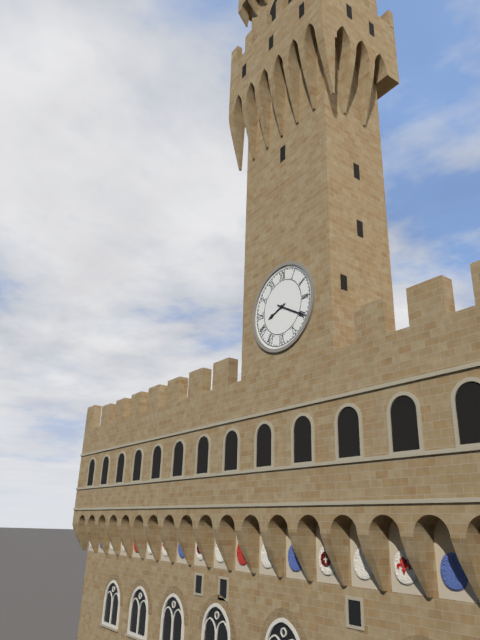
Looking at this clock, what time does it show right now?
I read 8:20
